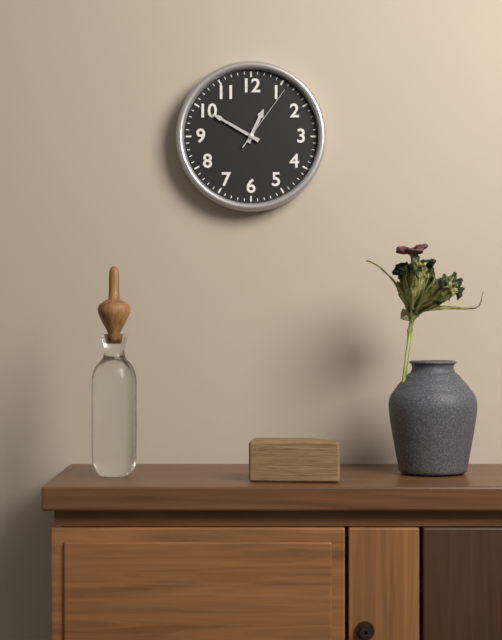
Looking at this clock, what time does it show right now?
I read 12:50:06
